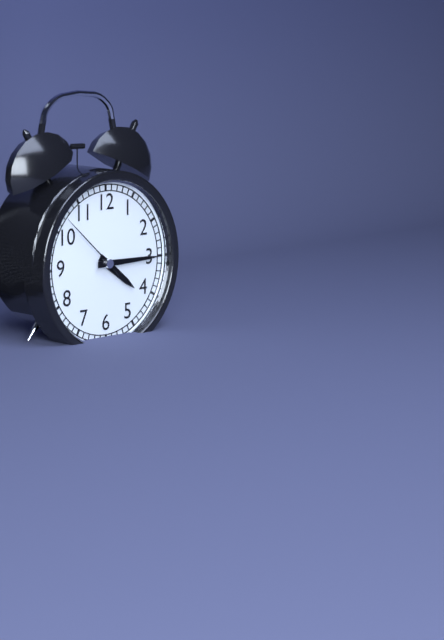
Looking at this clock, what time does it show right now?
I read 4:15:52
